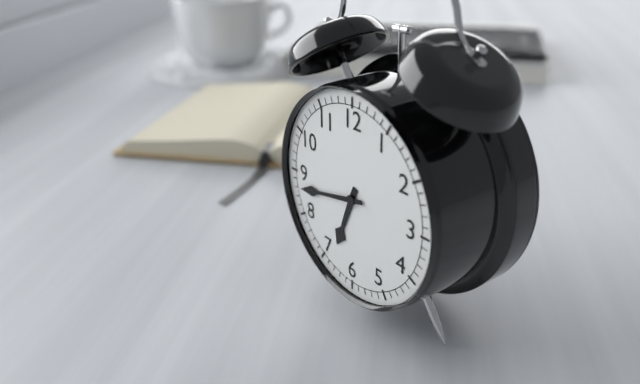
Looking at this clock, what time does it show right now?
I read 6:43
